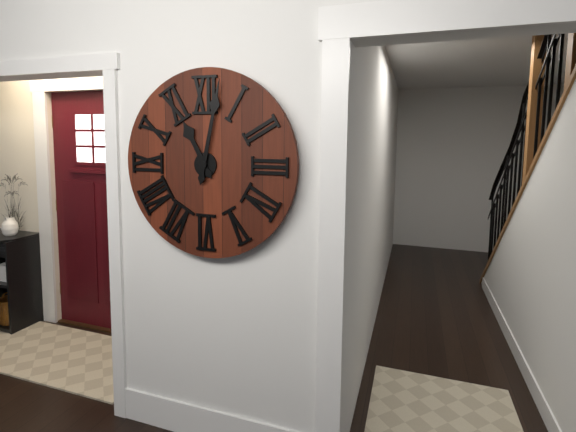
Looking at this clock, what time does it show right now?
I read 11:02
